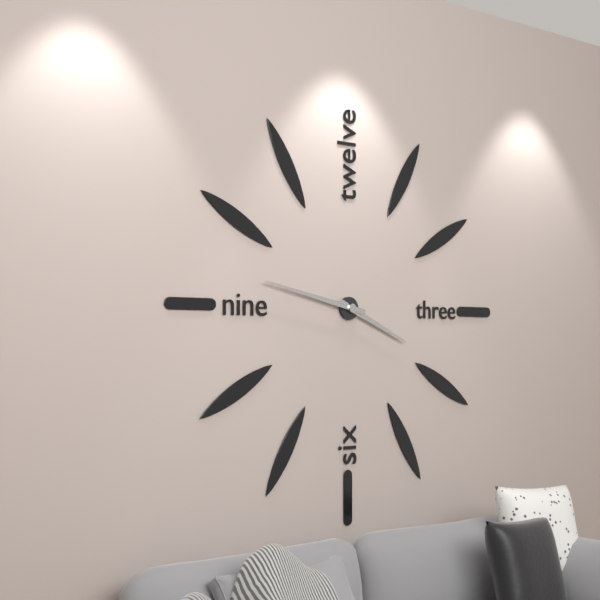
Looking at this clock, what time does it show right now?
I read 3:47
